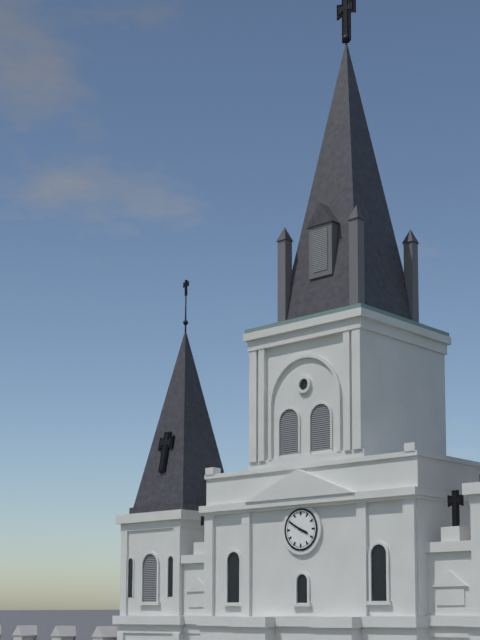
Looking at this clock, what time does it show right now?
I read 3:50
